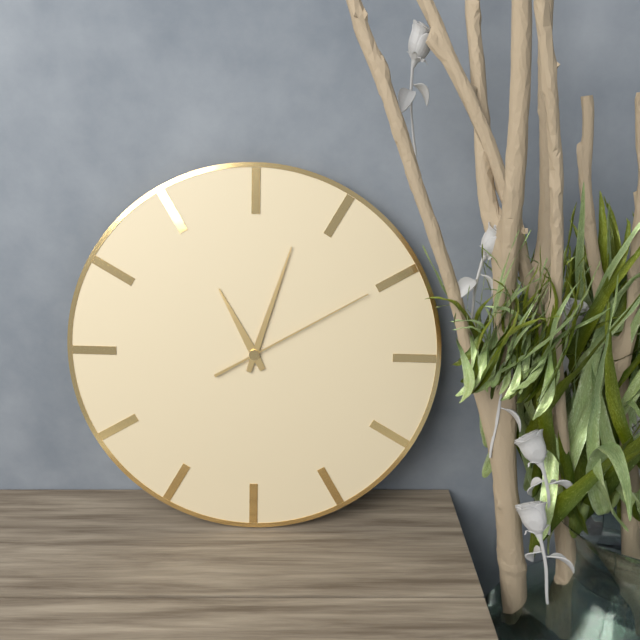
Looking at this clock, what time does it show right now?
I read 11:03:10
